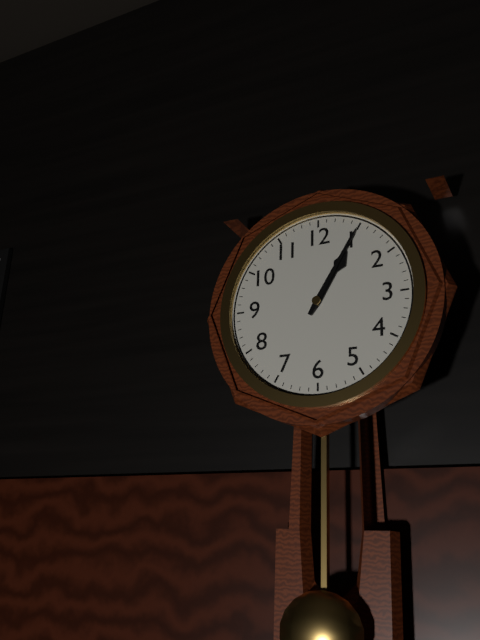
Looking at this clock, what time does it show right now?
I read 1:05
